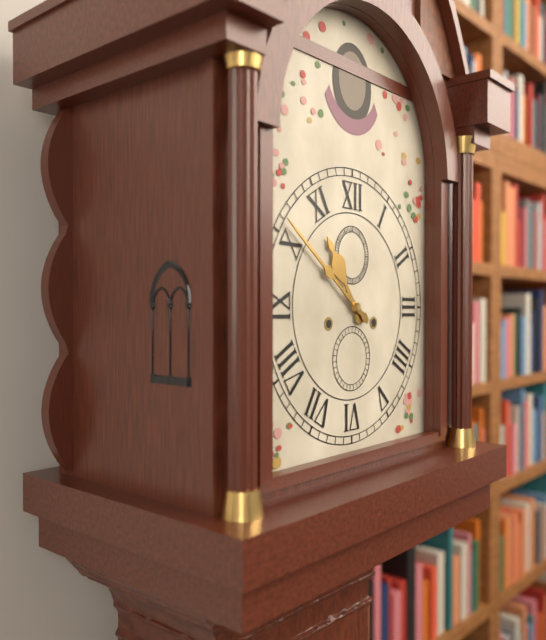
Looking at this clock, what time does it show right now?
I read 10:51
